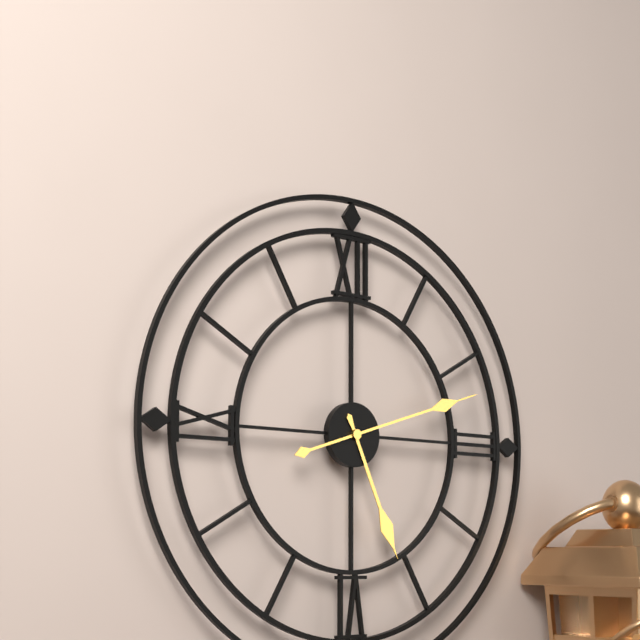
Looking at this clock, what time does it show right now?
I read 5:12
